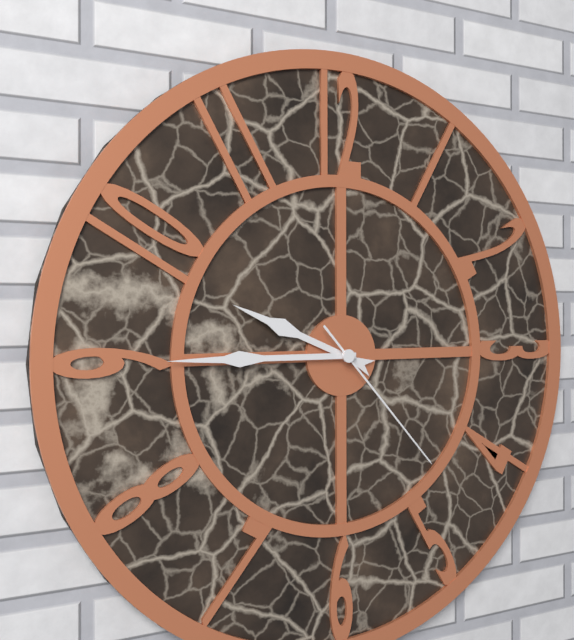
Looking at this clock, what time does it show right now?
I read 9:45:23
